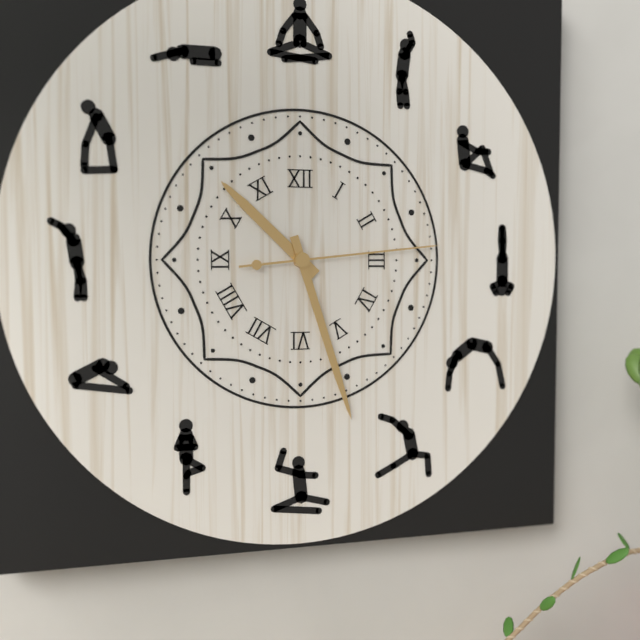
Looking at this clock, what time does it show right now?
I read 10:27:14
